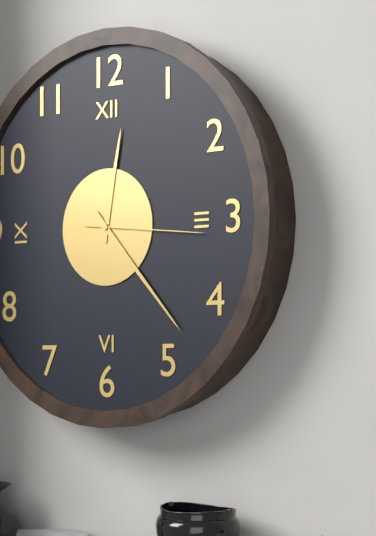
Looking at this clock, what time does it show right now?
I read 12:23:16
